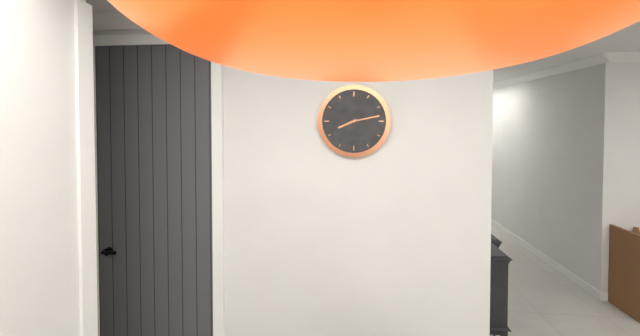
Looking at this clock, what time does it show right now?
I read 8:13
